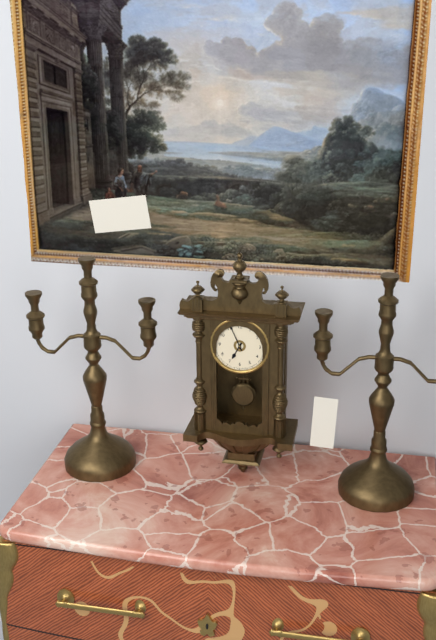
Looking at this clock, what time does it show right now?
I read 6:56
